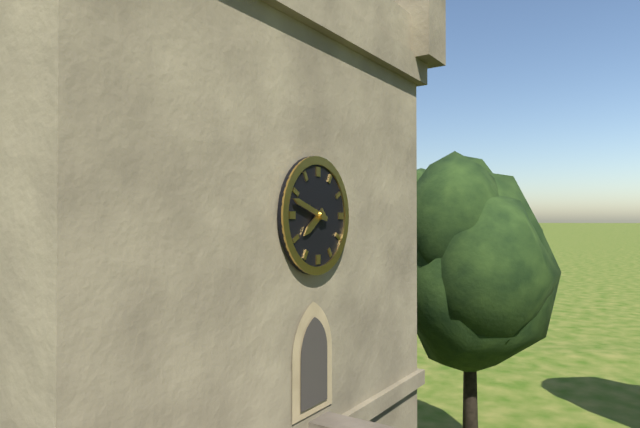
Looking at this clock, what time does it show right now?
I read 7:48
